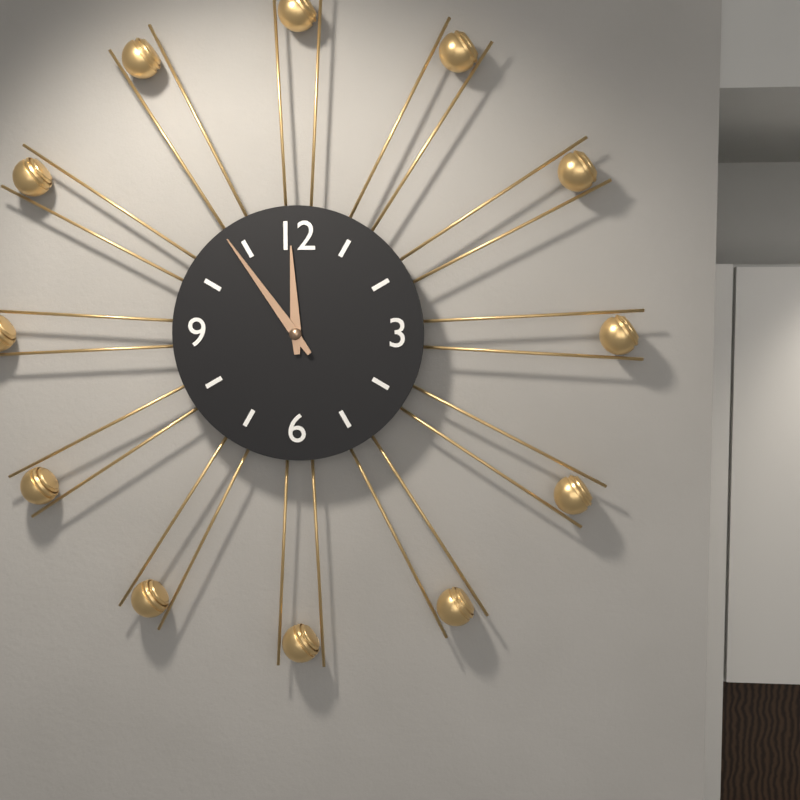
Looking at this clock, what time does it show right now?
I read 11:54
